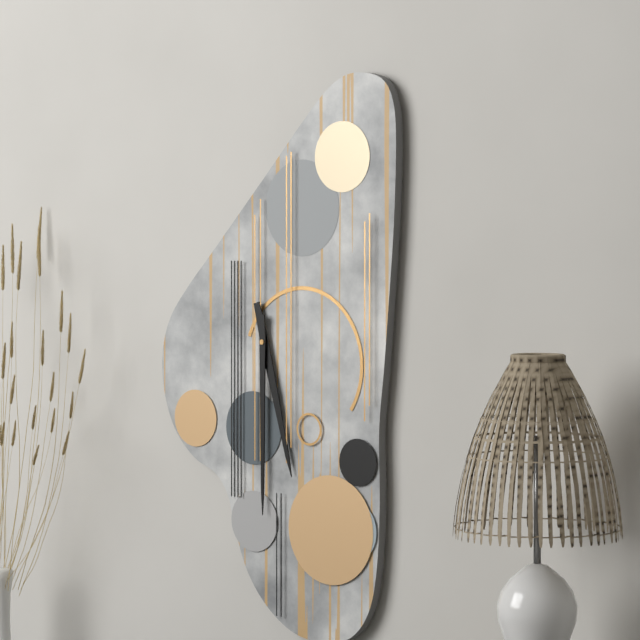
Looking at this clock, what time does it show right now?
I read 5:30
